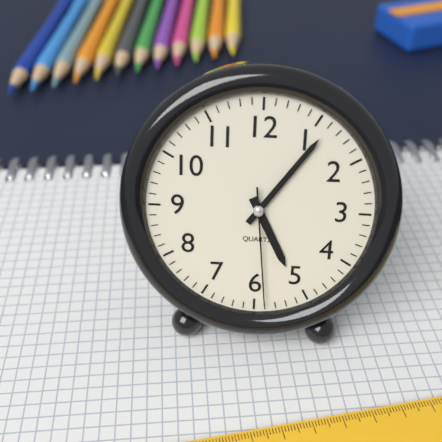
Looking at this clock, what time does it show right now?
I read 5:06:29
